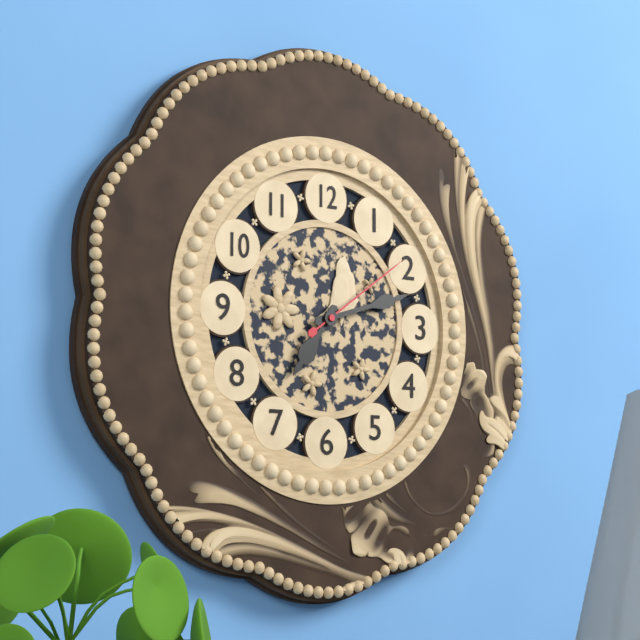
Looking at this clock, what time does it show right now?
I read 7:12:09
